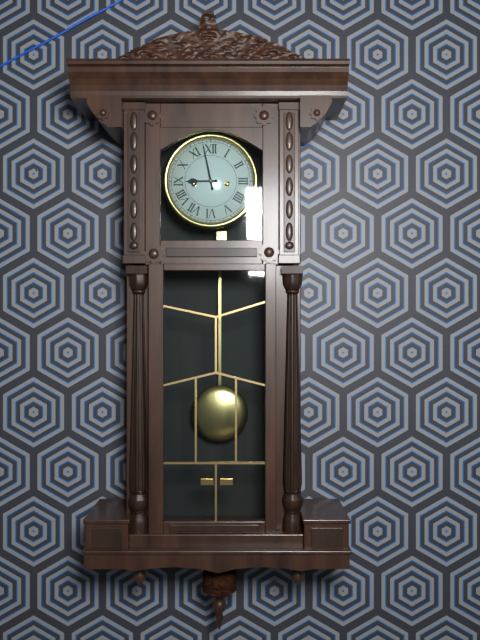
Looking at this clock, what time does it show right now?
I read 8:58
